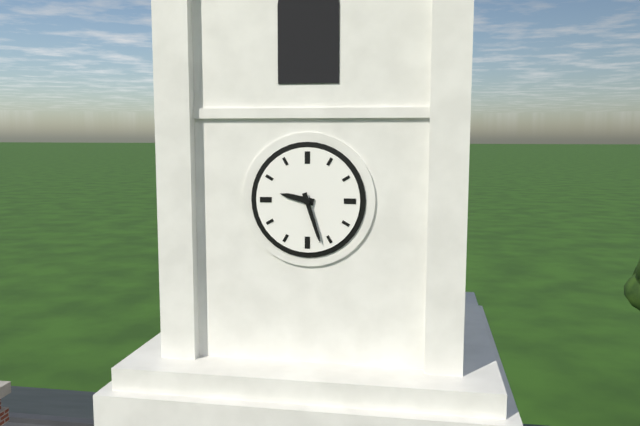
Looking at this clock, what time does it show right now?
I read 9:27
